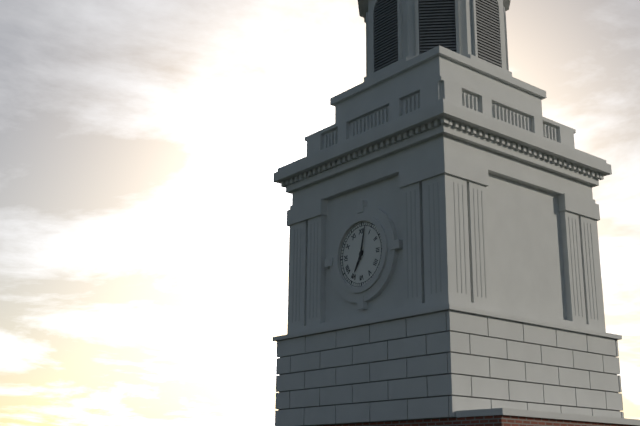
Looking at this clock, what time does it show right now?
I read 7:02
